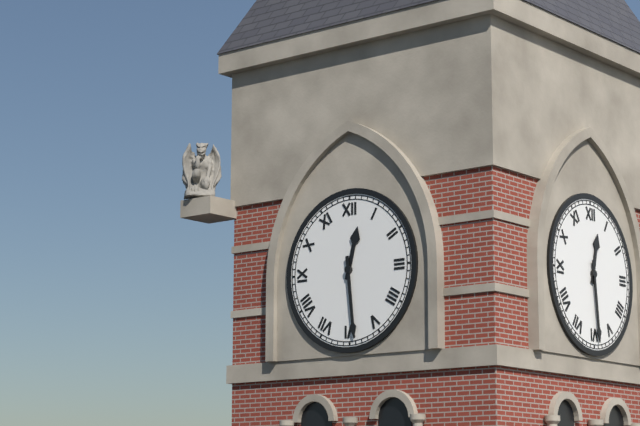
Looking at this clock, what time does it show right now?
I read 12:29
